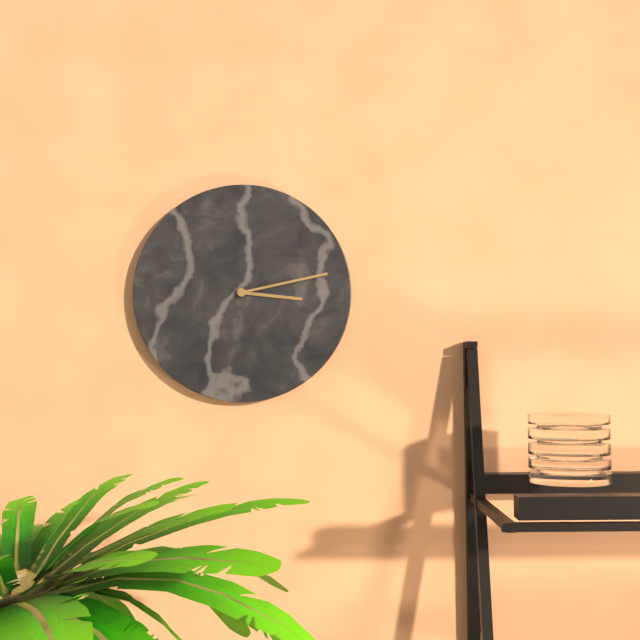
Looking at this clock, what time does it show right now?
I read 3:13
